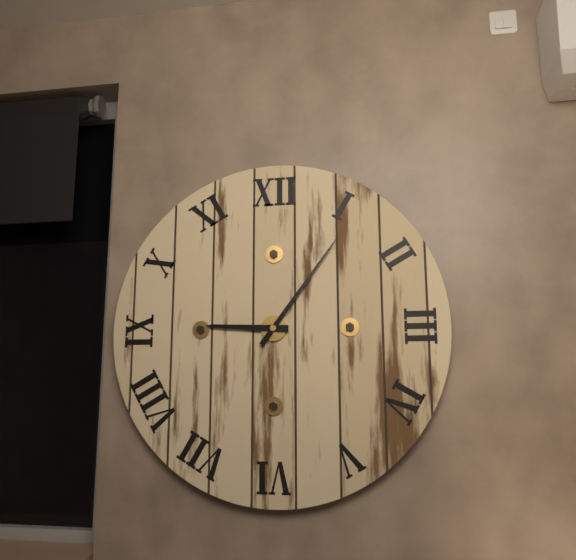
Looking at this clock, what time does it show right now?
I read 9:06
